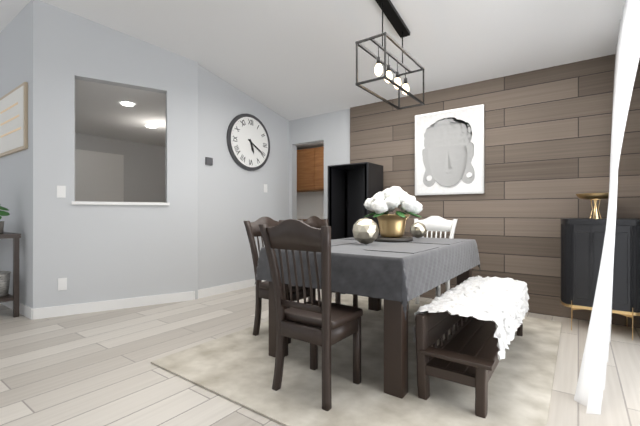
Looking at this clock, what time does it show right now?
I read 5:20
